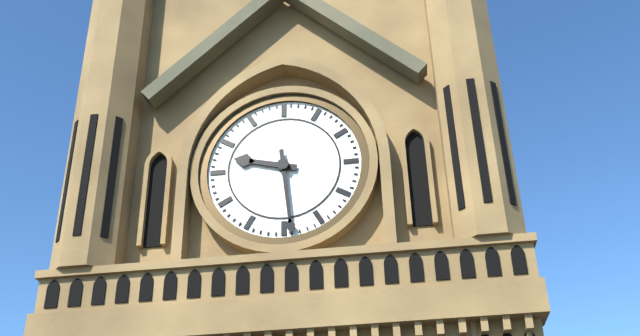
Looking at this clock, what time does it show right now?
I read 9:29
